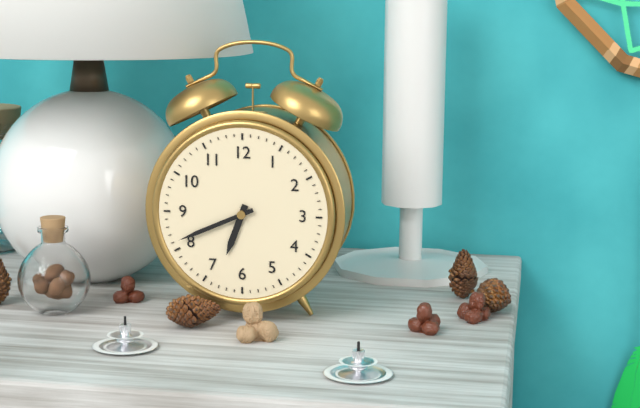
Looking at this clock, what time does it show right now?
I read 6:41
